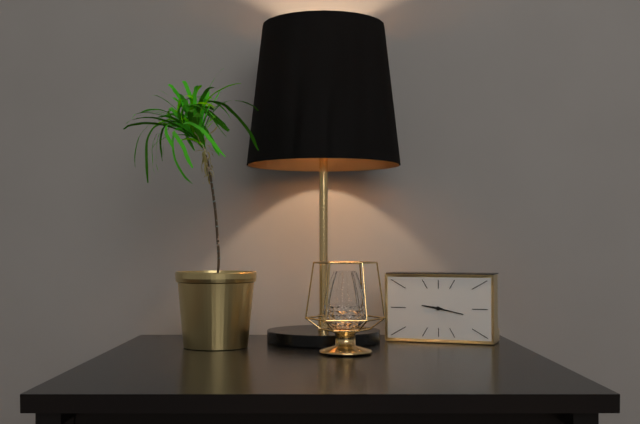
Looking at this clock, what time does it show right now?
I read 9:17
